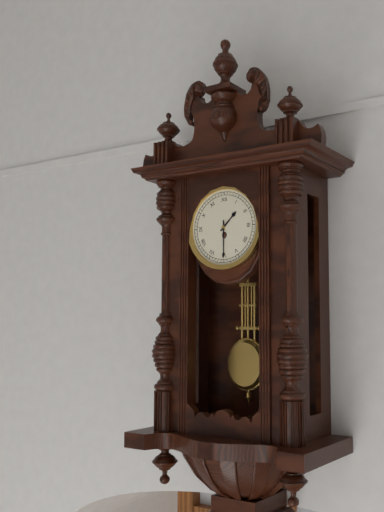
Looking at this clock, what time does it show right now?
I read 1:30
